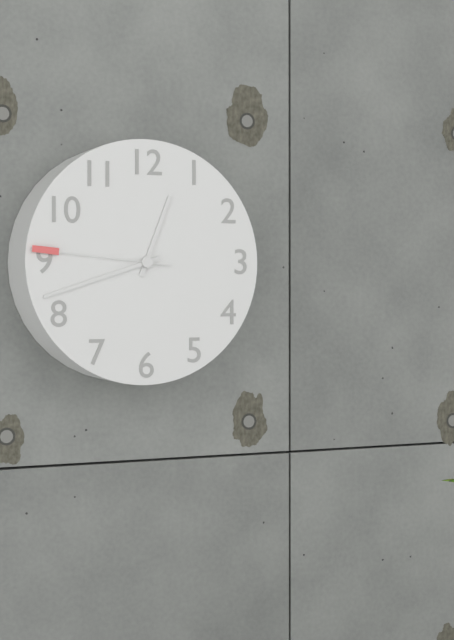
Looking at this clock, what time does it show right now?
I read 12:42:46
